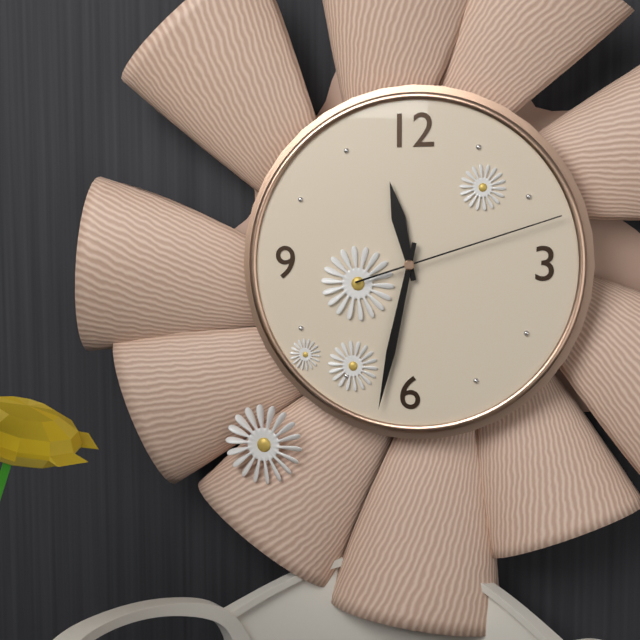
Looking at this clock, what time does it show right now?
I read 11:32:12
